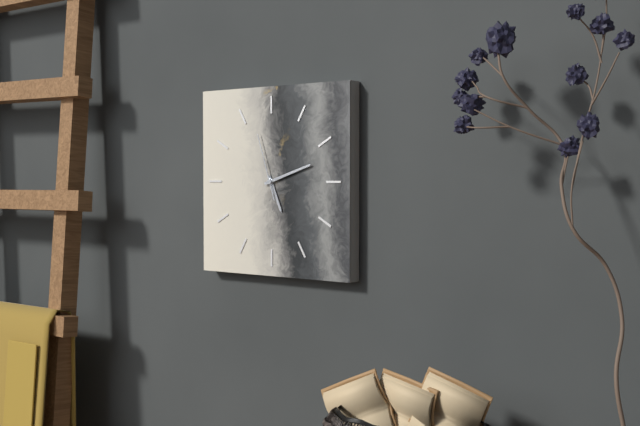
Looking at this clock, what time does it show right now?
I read 5:12:57
